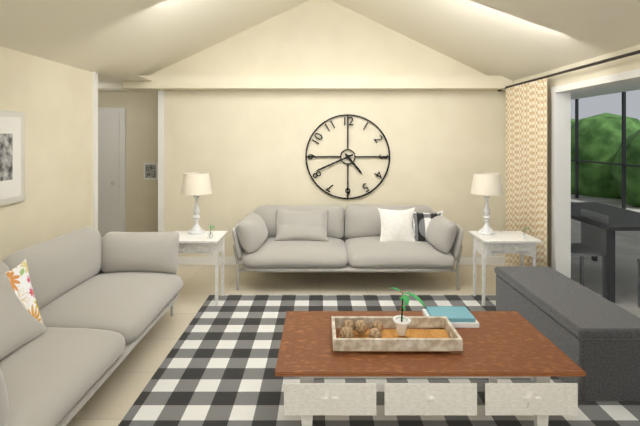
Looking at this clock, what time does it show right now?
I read 4:41
